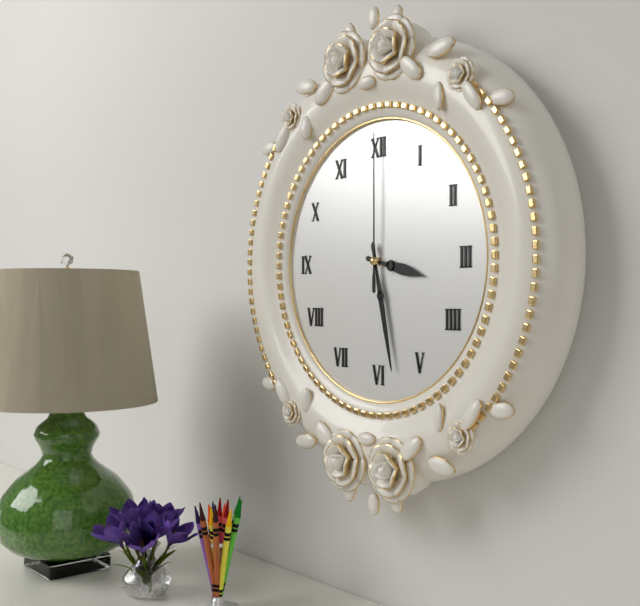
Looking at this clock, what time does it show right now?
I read 3:28:00
